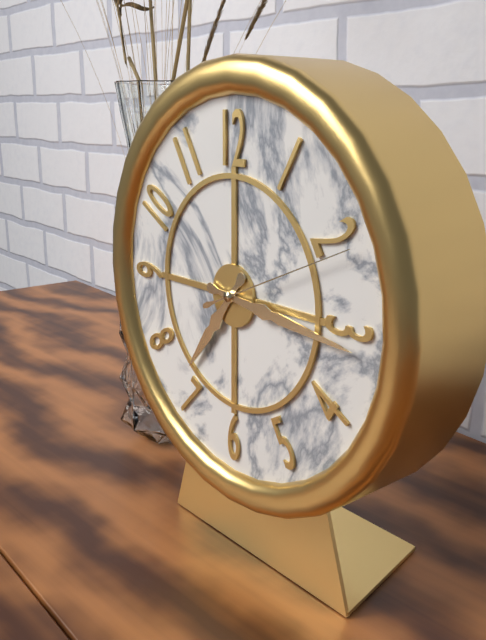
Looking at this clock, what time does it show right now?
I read 7:16:11
